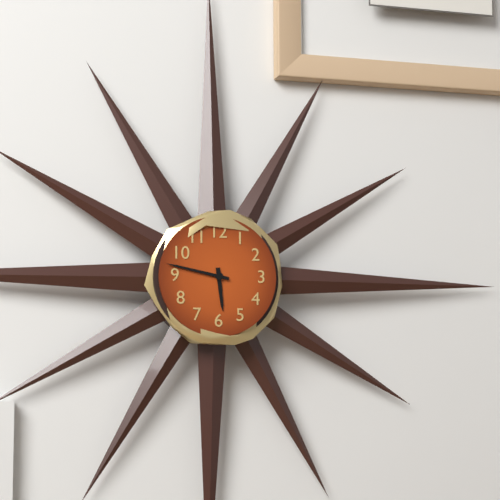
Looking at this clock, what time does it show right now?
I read 5:47
